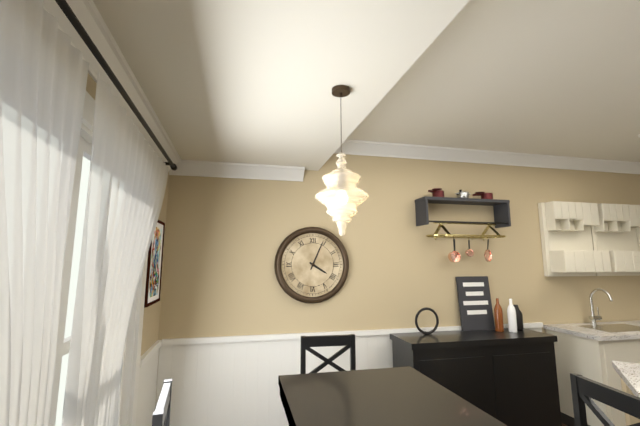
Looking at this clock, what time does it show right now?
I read 4:04
